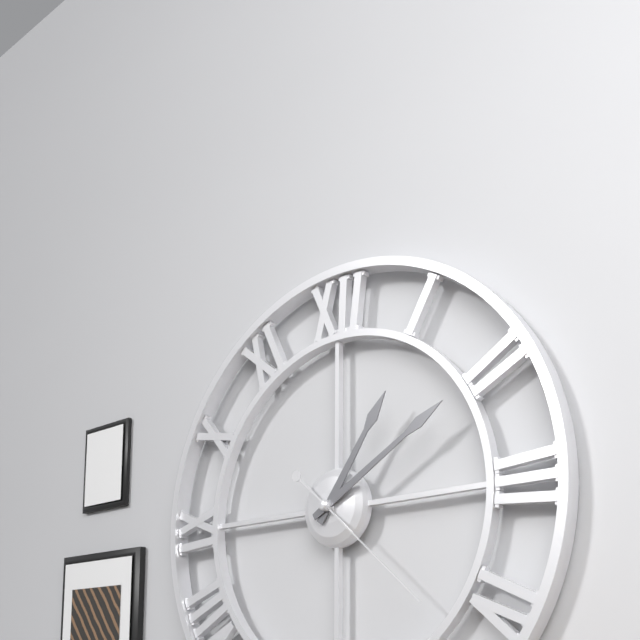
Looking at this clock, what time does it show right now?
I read 1:10:22
